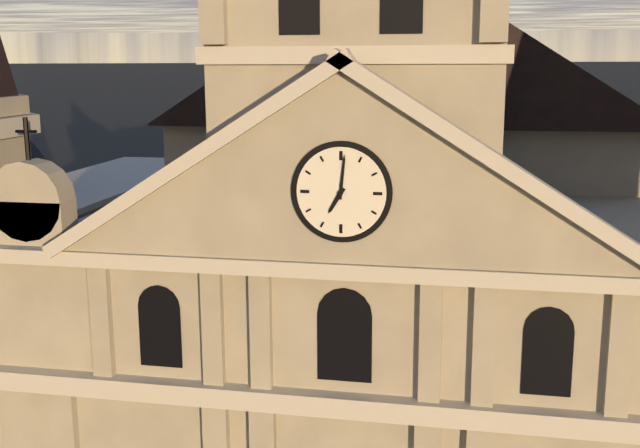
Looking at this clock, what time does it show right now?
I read 7:01
